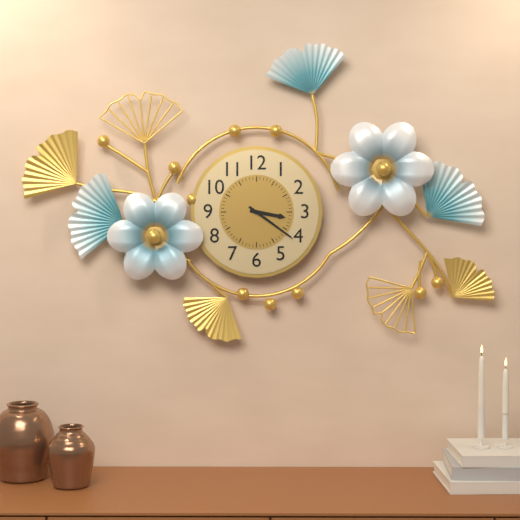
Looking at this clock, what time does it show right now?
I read 3:21
